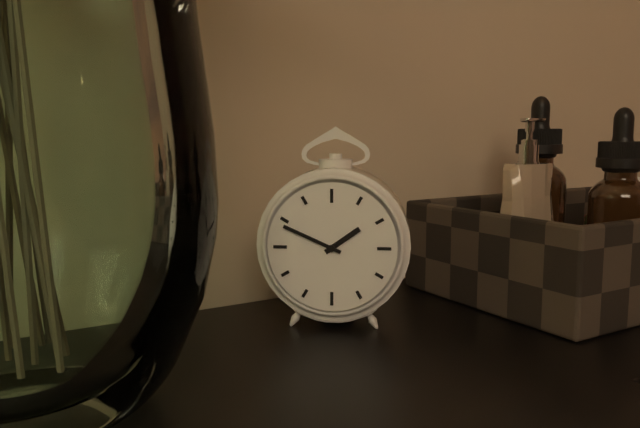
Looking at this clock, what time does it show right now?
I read 1:49
